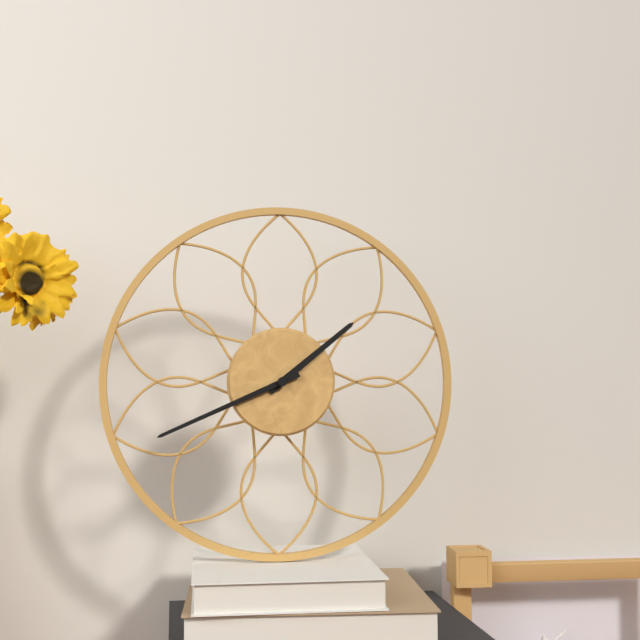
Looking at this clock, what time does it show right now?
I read 1:41
